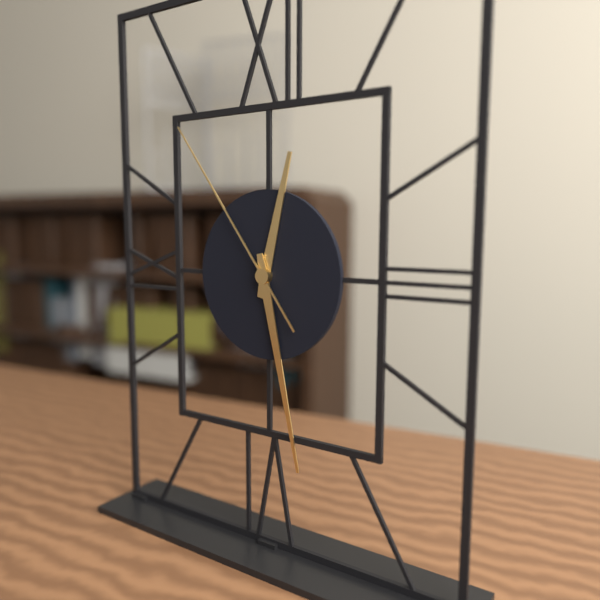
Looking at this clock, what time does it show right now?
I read 12:28:54
